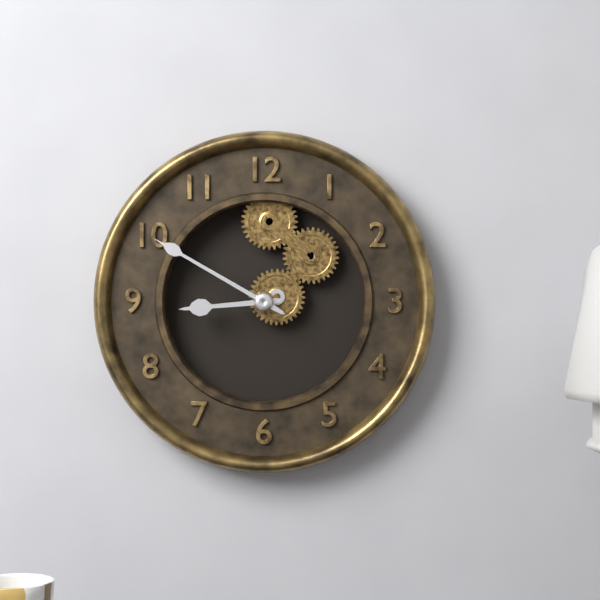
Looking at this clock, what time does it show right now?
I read 8:50
